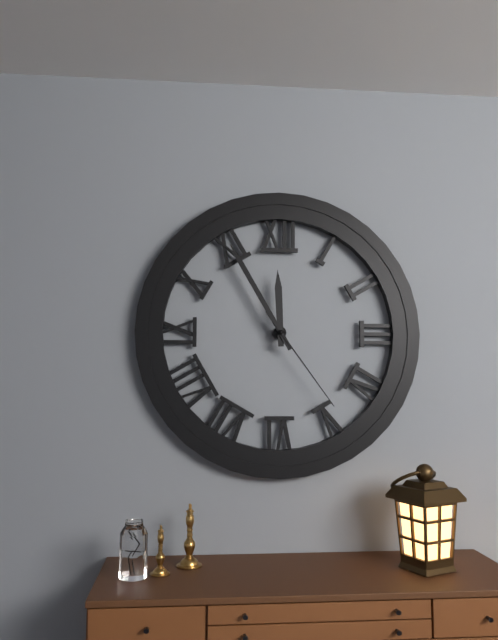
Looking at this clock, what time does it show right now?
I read 11:55:24
